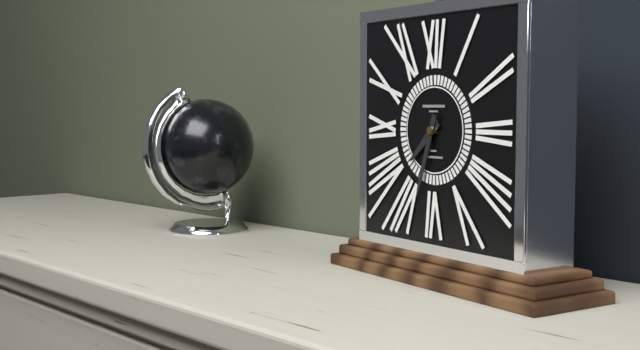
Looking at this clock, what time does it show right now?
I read 7:33
